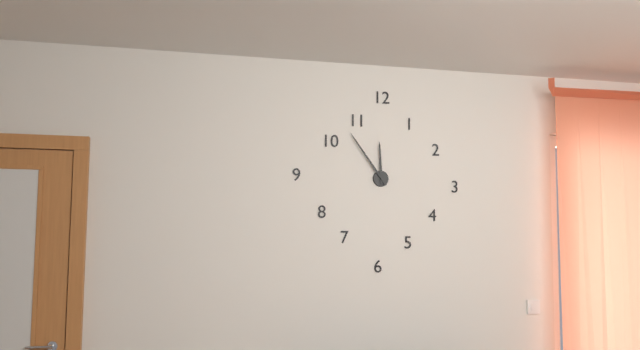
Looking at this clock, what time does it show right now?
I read 11:54
